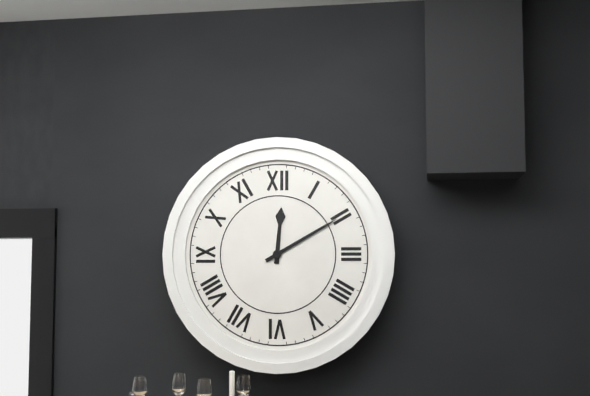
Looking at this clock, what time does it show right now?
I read 12:10
